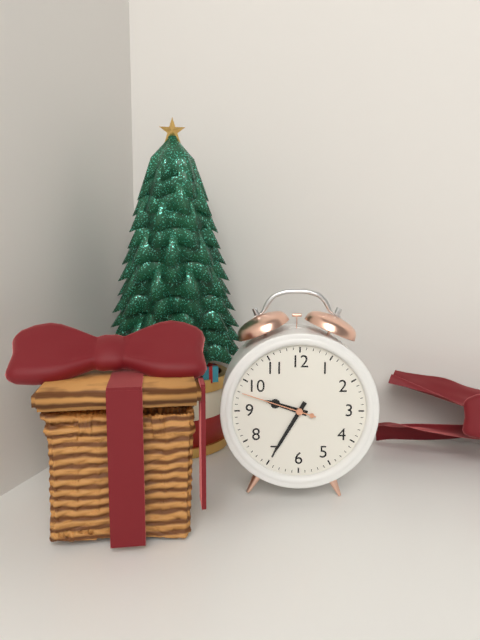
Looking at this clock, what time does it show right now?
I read 9:35:48
